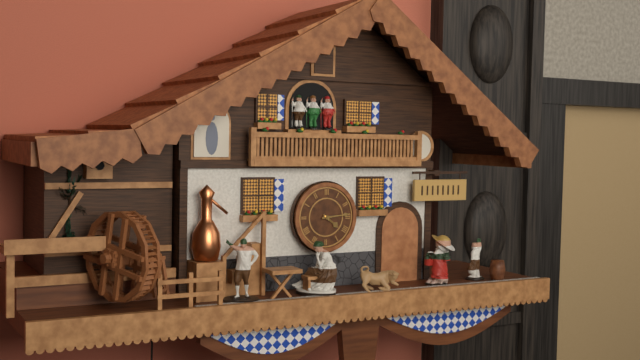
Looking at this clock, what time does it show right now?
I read 4:14
